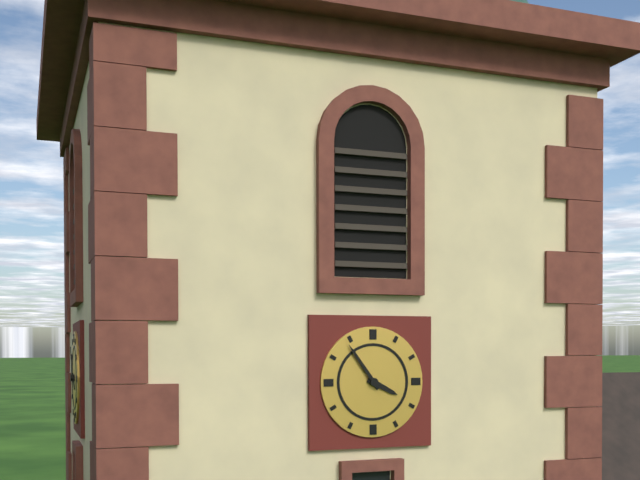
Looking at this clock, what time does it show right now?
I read 3:54
